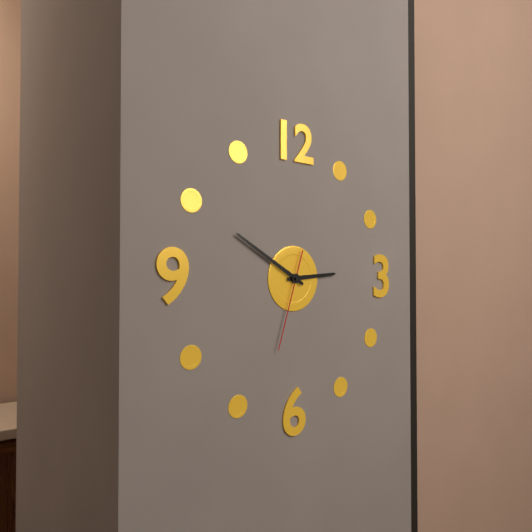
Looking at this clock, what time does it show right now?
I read 2:50:33
